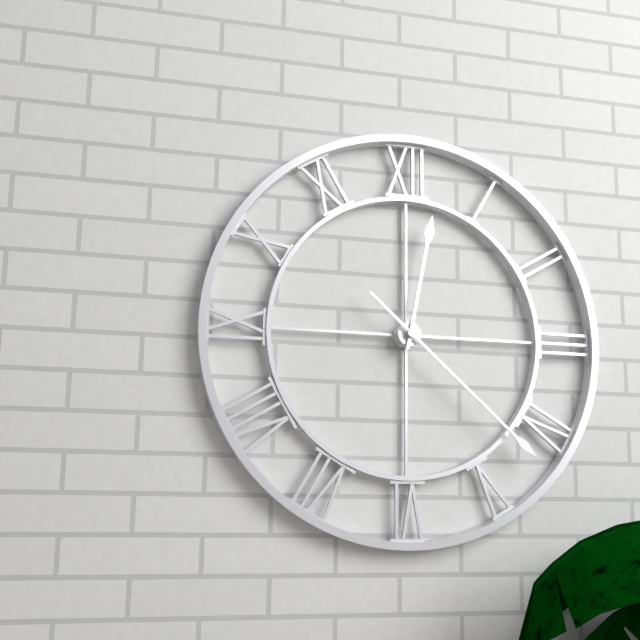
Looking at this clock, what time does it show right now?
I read 12:22
